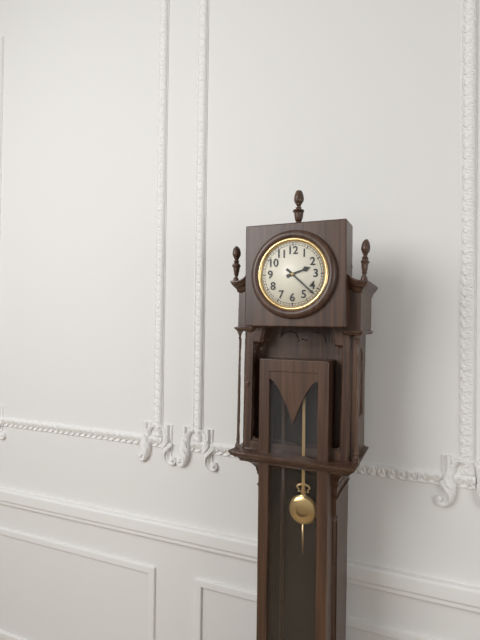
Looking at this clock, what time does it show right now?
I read 2:22
